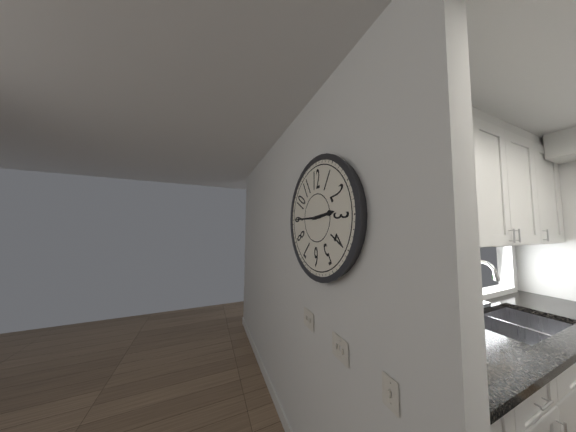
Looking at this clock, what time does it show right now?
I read 2:45
